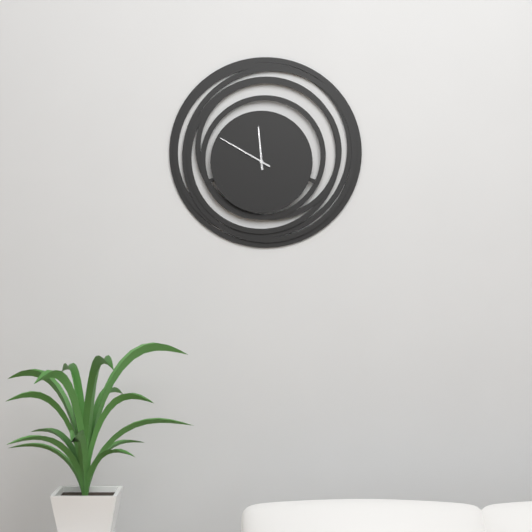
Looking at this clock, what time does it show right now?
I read 11:50
